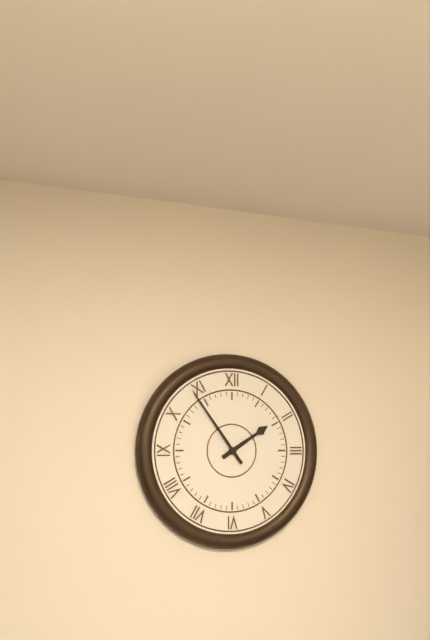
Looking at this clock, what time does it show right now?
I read 1:54
